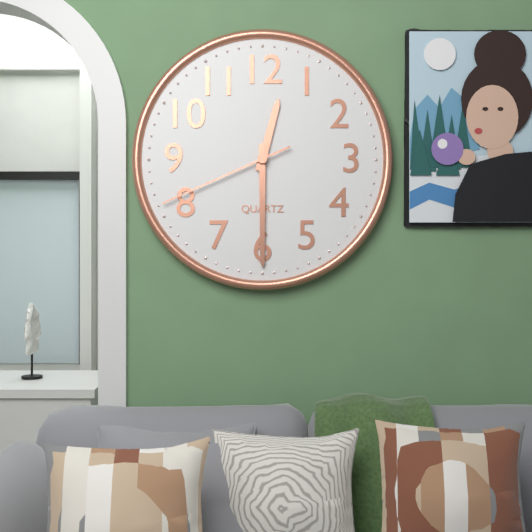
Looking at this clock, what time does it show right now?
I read 12:30:41
